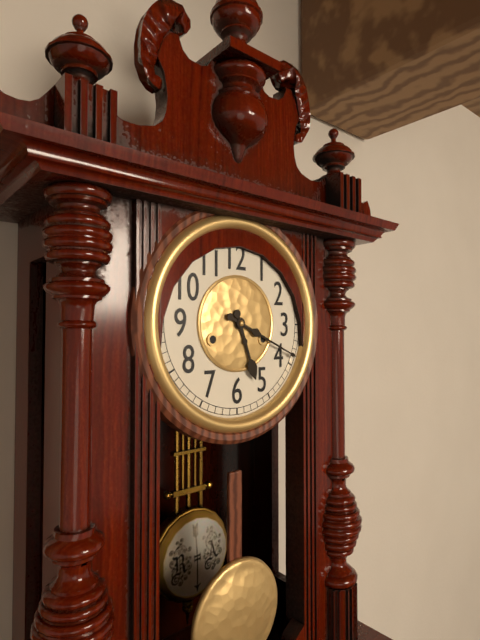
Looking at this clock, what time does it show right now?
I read 5:19
